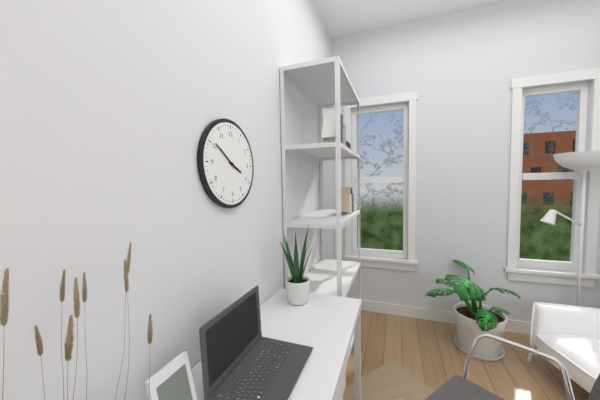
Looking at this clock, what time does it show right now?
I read 3:51
